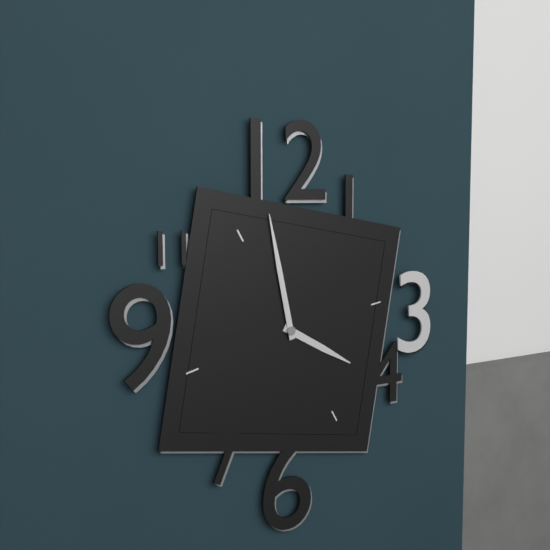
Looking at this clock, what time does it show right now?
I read 3:58
